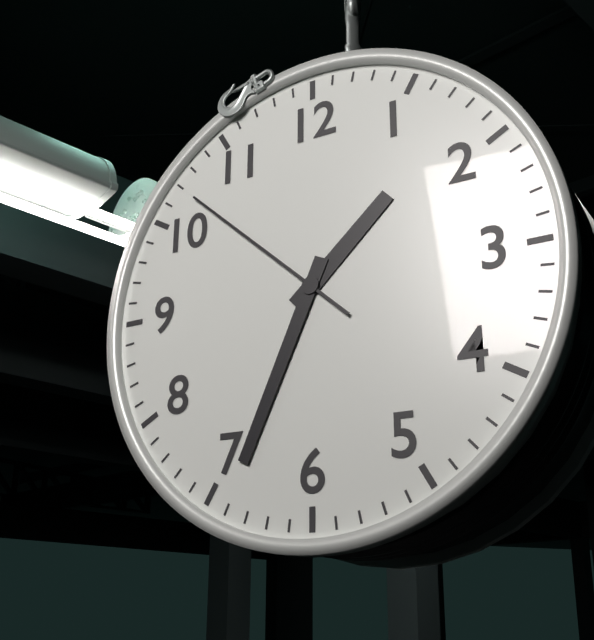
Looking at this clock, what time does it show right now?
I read 1:34:52
